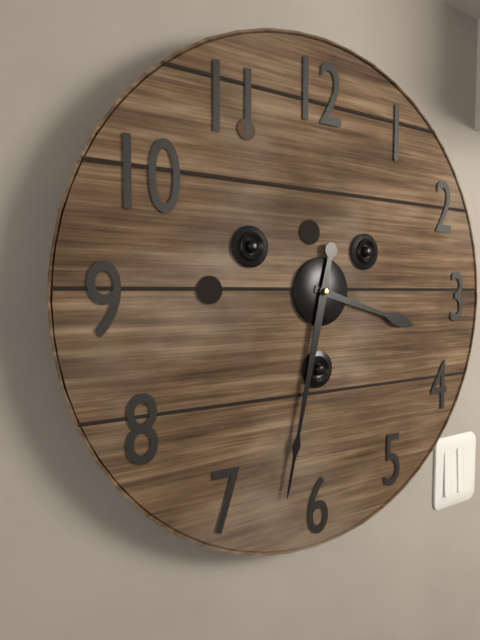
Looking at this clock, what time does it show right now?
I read 3:32
